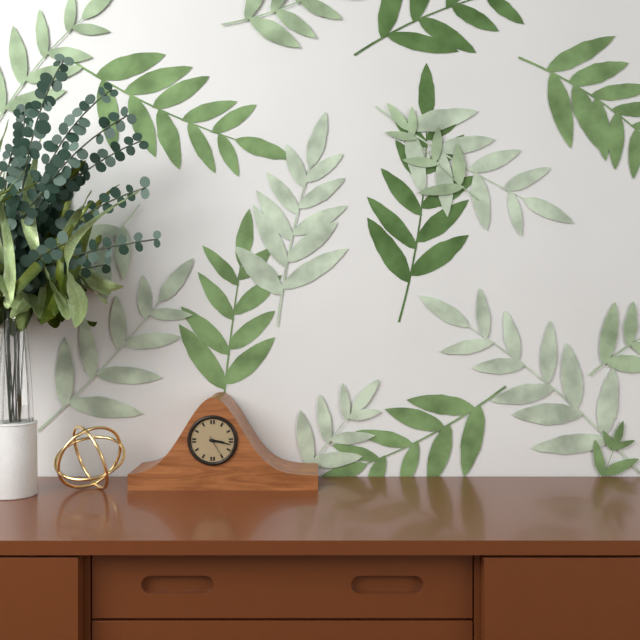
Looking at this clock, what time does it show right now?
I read 3:17
